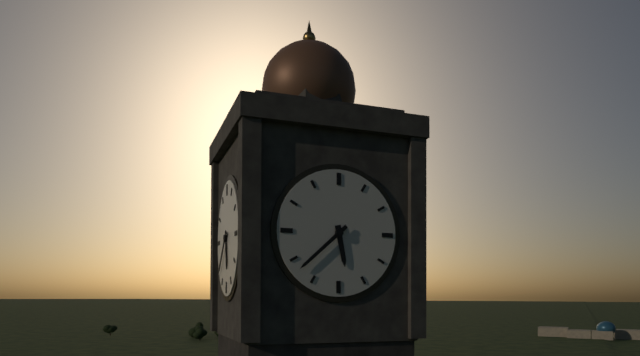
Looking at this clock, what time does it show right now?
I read 5:38
